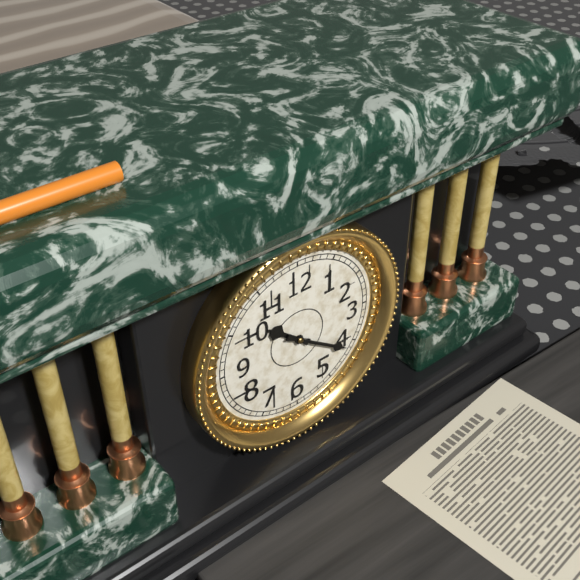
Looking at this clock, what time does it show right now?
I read 10:21
